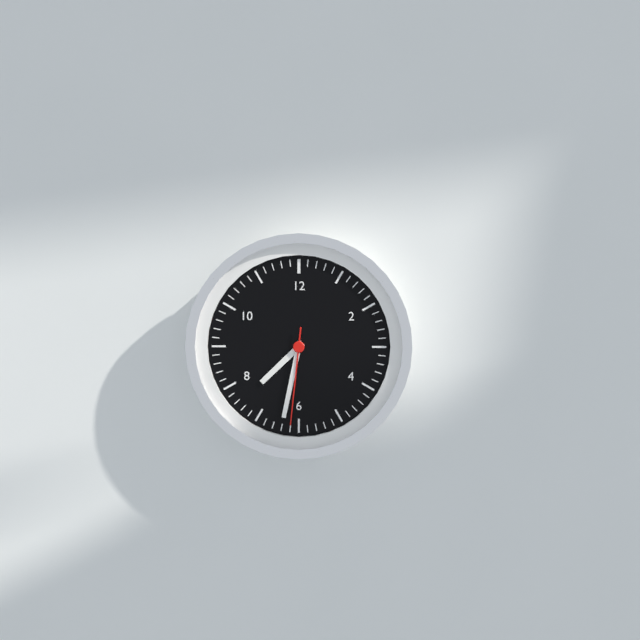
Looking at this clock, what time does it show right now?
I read 7:32:31
